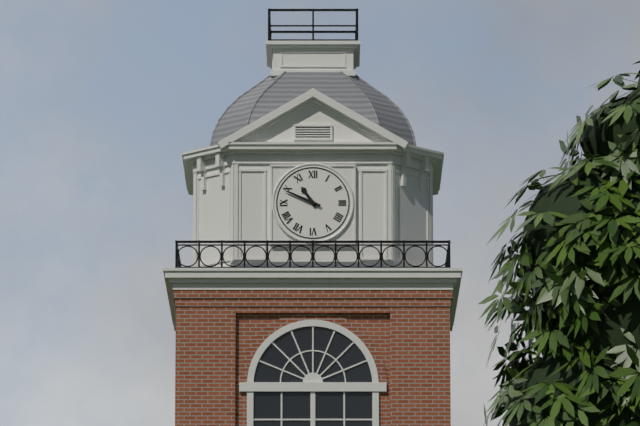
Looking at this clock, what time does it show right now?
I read 10:49
